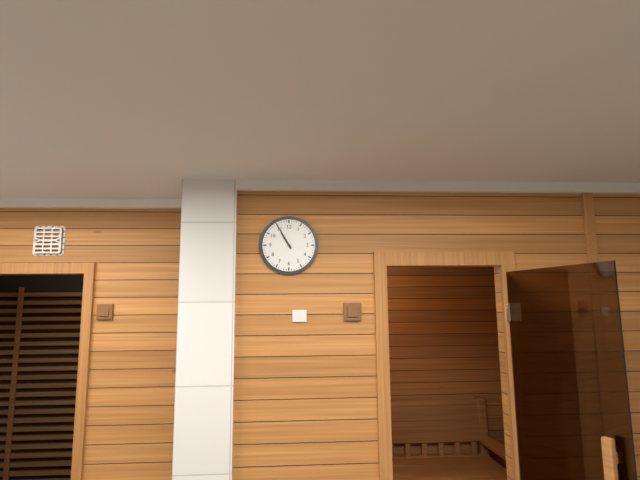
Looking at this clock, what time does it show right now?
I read 10:55
